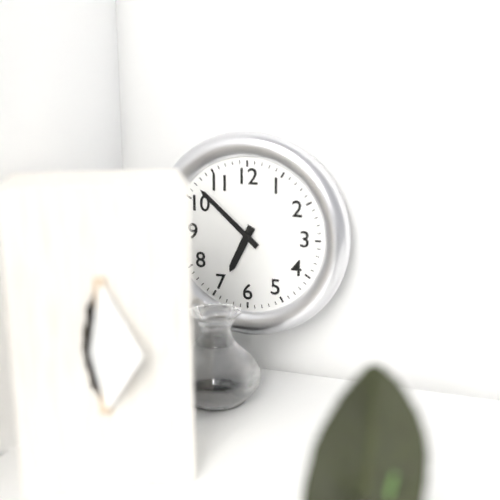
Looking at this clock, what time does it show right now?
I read 6:52
